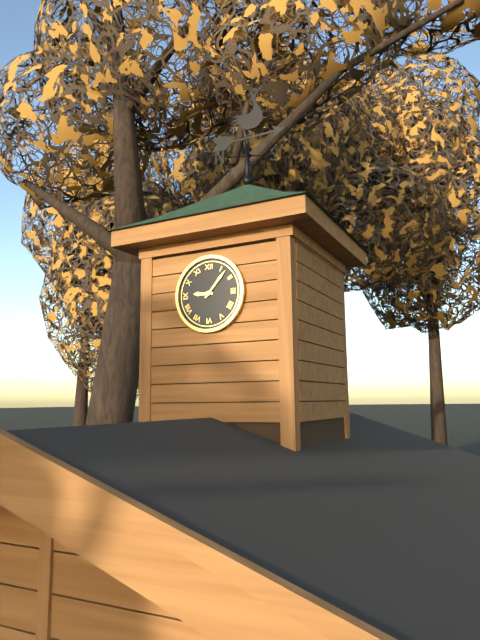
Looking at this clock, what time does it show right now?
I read 9:07
